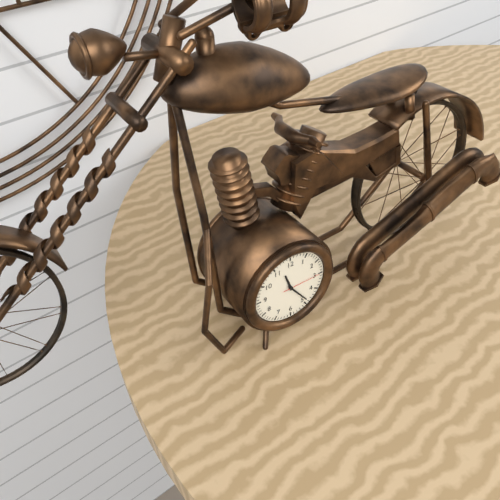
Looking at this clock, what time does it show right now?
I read 11:24
